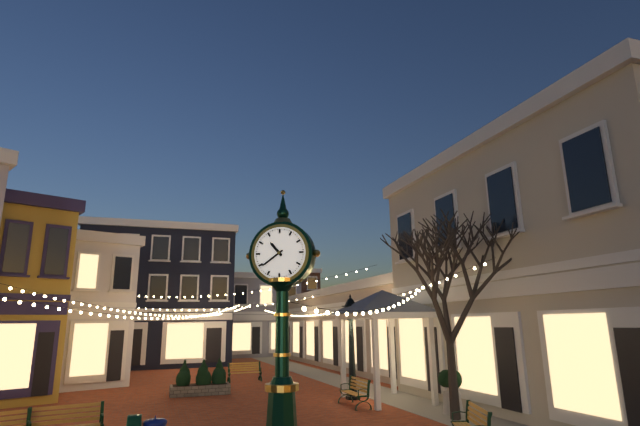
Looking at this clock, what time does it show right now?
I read 10:39
